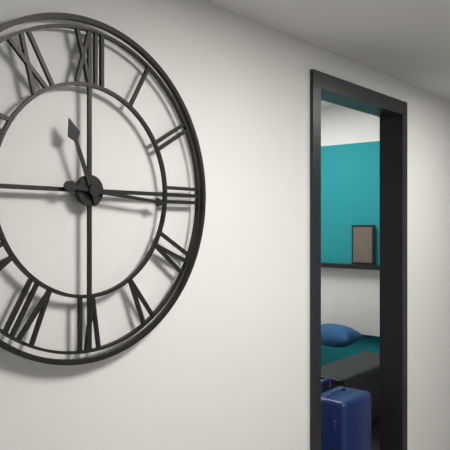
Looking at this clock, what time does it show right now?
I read 11:16
